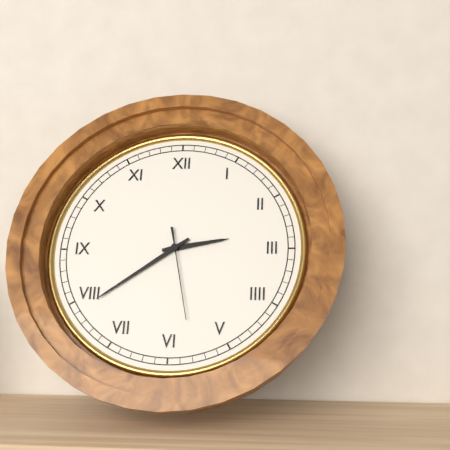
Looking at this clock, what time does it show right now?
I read 2:39:28
